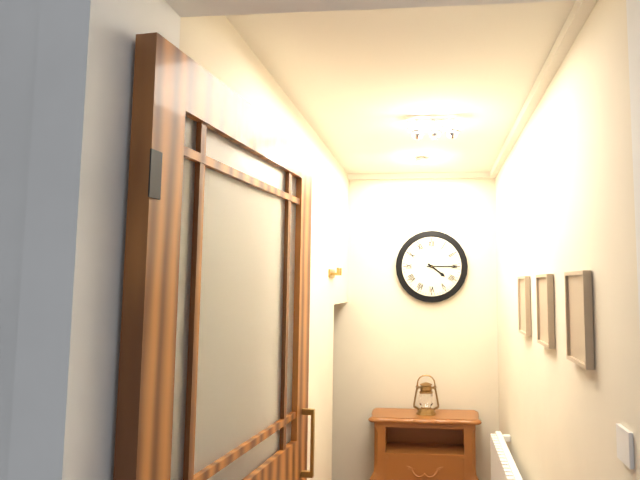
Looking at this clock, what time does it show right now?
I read 4:15
